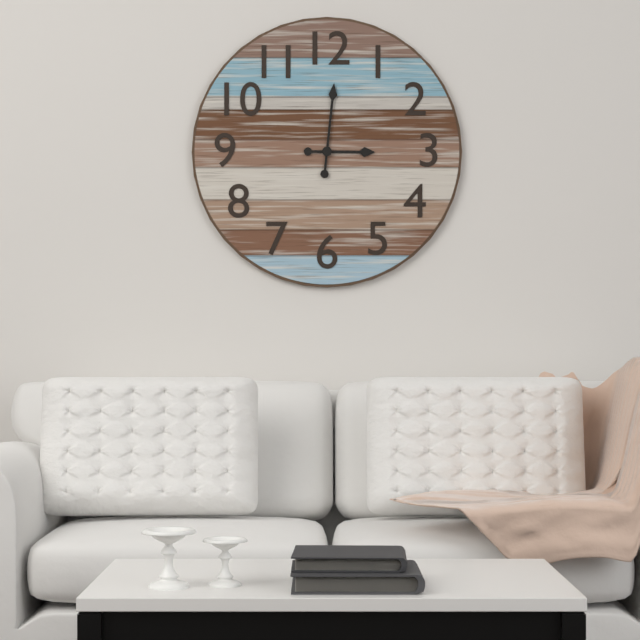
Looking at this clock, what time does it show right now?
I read 3:01
